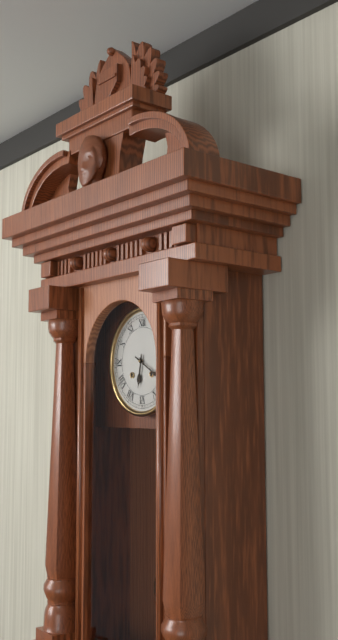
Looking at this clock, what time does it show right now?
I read 6:20
